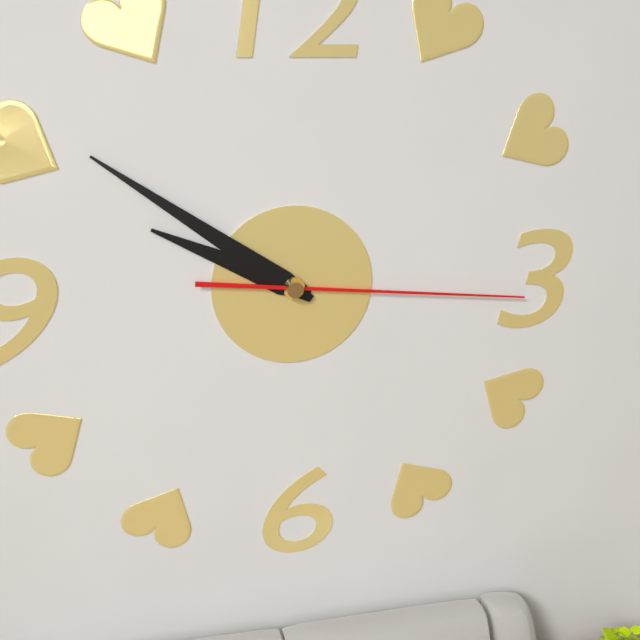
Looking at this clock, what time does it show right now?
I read 9:51:16
